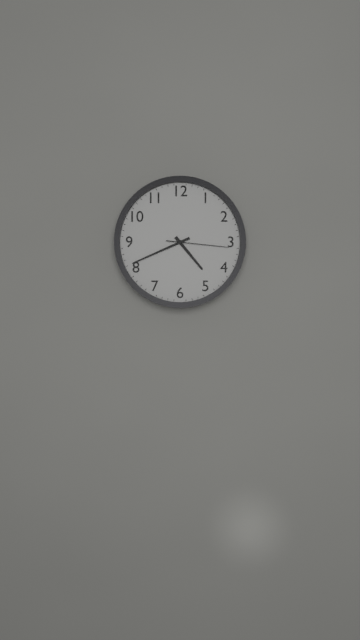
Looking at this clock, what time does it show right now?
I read 4:41:16
